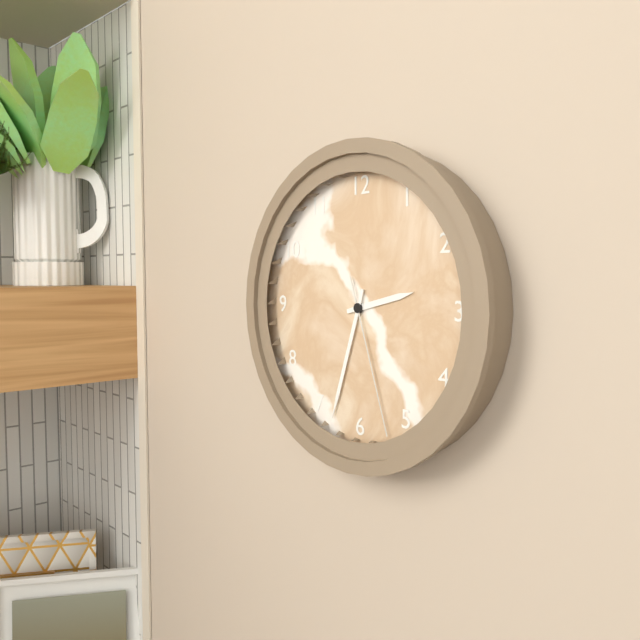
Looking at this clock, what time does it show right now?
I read 2:33:27
